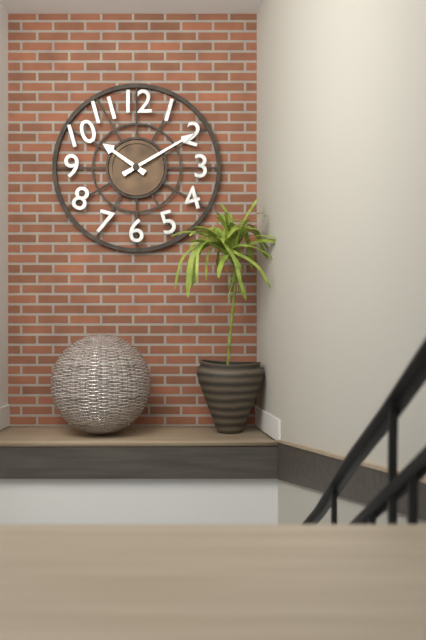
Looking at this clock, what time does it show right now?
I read 10:10
